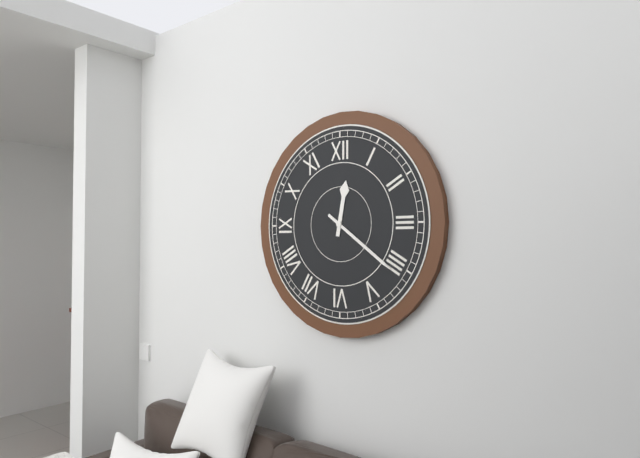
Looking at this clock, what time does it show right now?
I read 12:21
